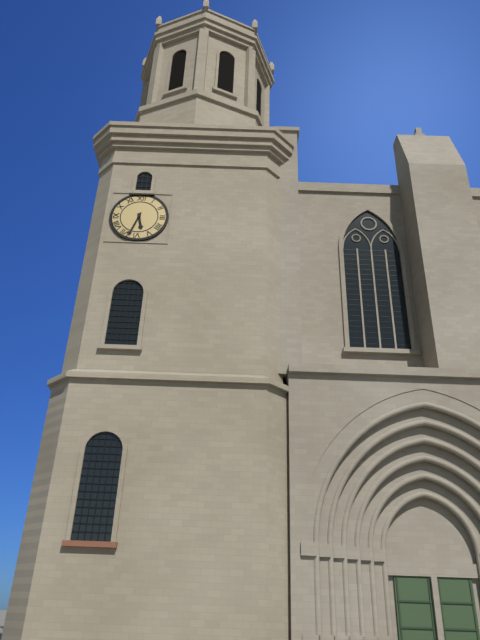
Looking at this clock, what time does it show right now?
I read 5:33
